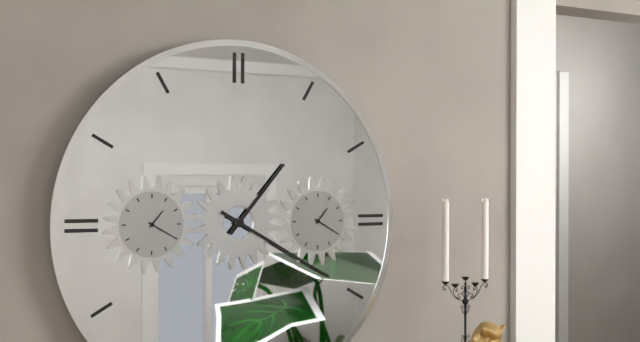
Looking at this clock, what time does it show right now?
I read 1:20
